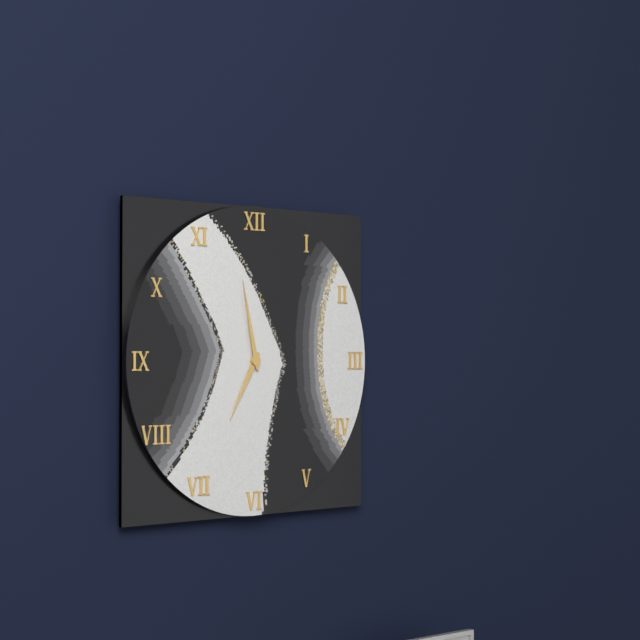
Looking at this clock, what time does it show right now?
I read 6:58
